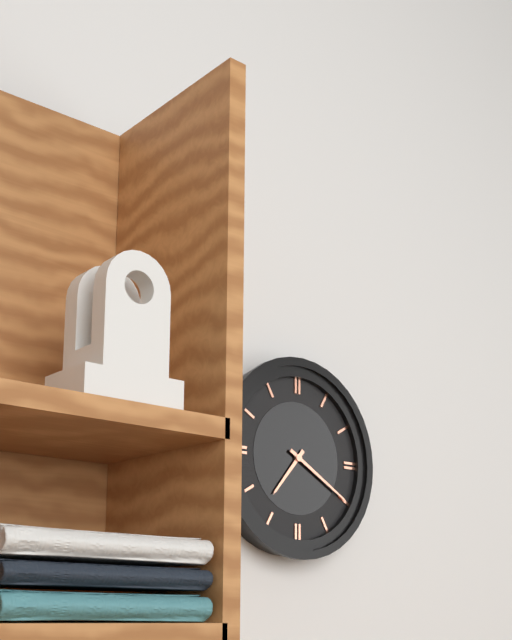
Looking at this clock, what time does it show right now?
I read 7:20
